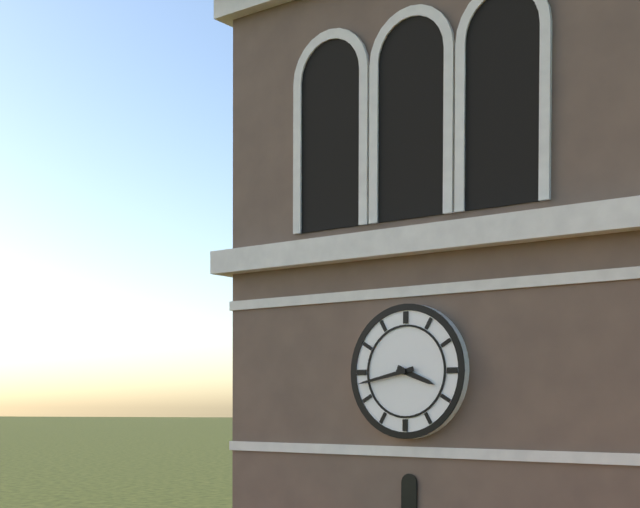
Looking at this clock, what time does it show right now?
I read 3:43
